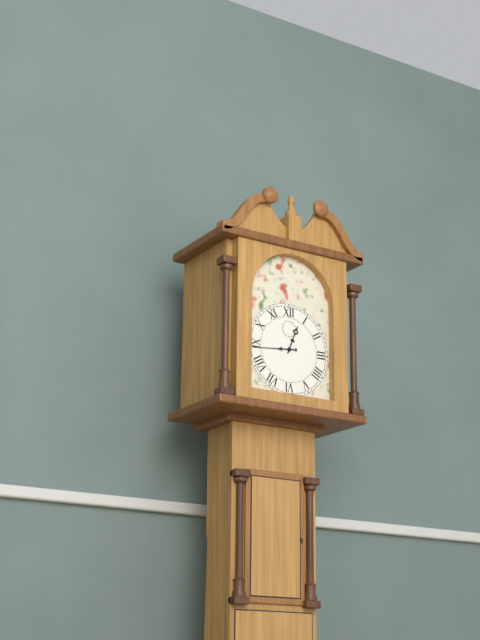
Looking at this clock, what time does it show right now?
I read 12:44
